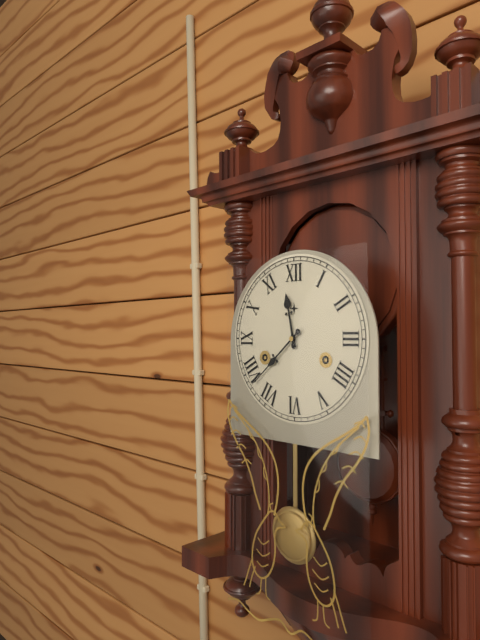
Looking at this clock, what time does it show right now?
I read 11:38
